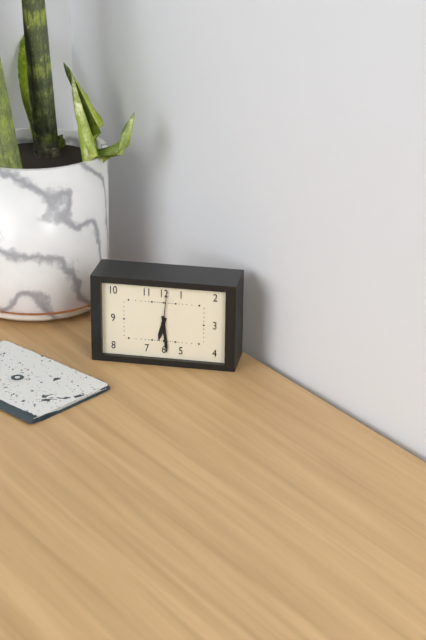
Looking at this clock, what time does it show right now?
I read 6:29
